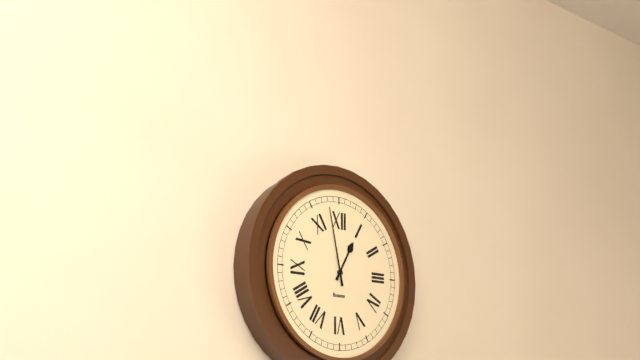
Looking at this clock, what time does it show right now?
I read 12:58
